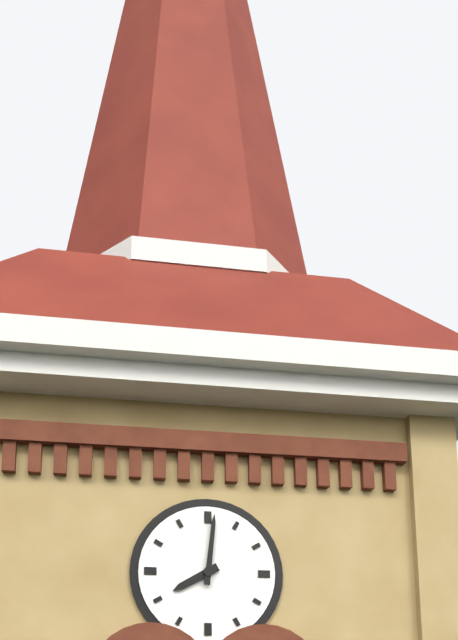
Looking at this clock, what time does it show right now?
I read 8:01
